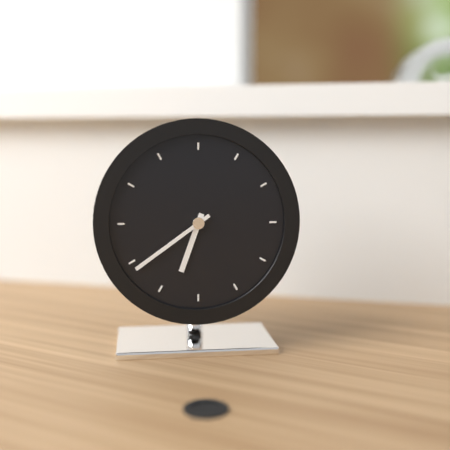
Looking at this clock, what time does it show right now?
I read 6:39
